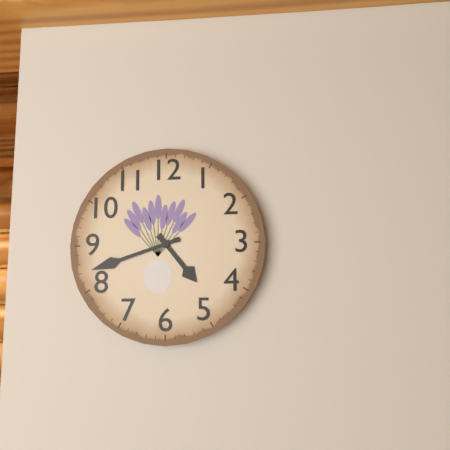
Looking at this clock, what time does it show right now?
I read 4:42
